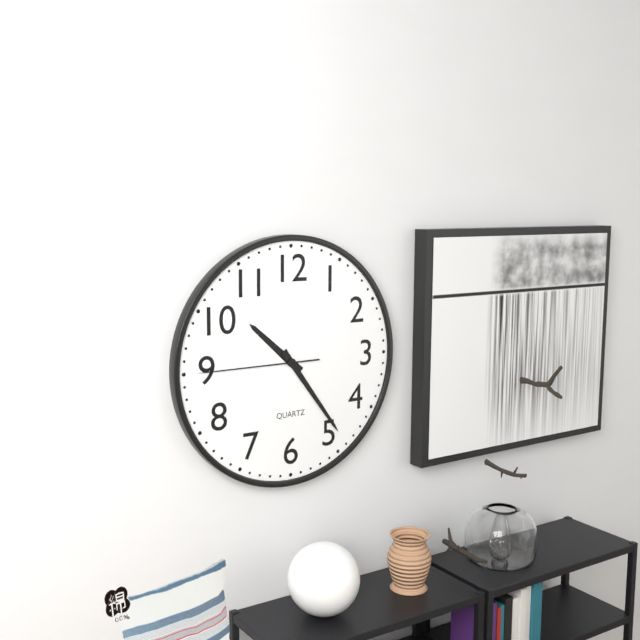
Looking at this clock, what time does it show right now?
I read 10:24:45
